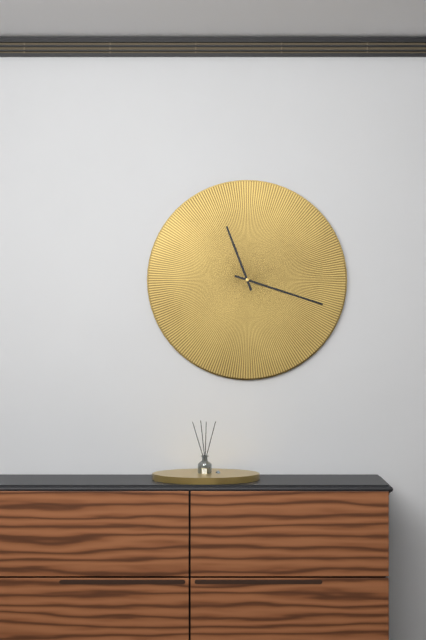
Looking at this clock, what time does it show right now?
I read 11:18
